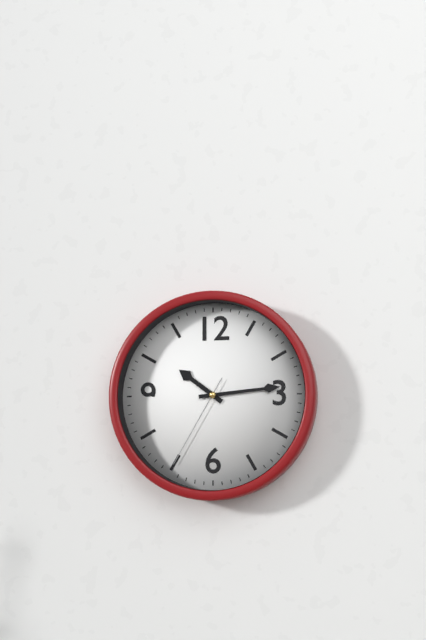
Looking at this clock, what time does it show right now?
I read 10:14:35
